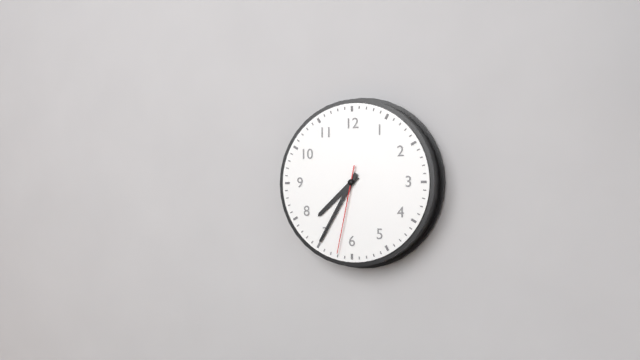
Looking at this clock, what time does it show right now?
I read 7:35:32
